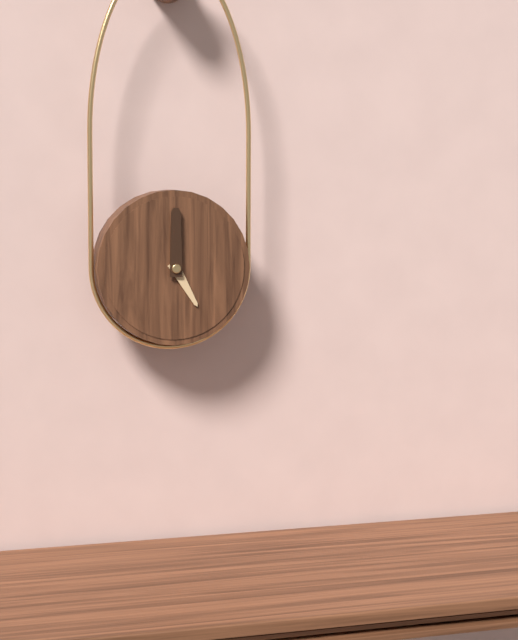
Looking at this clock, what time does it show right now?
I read 5:00
